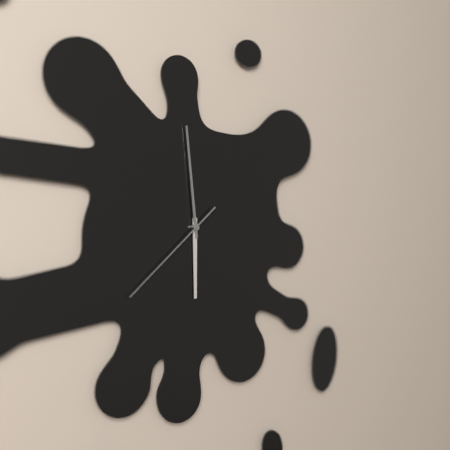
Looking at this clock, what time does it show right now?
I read 5:59:38
